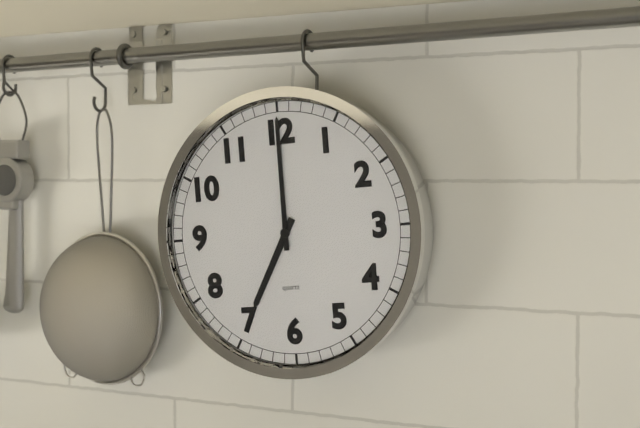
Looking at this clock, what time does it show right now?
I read 7:00
